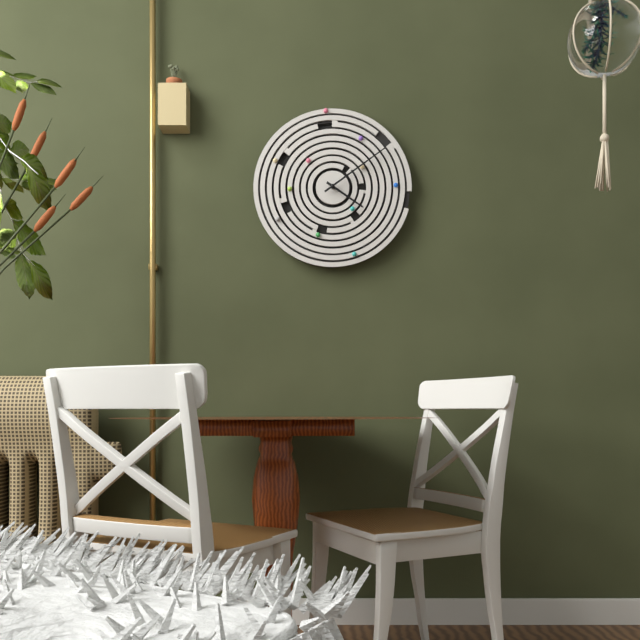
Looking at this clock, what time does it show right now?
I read 4:09
